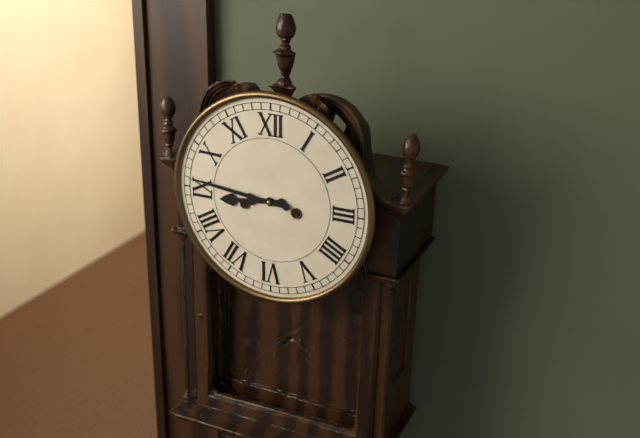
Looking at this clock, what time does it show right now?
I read 8:46
